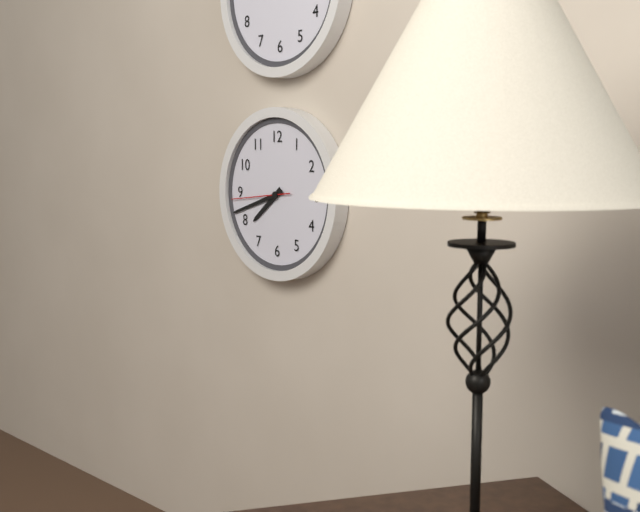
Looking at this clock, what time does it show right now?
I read 7:42:44
